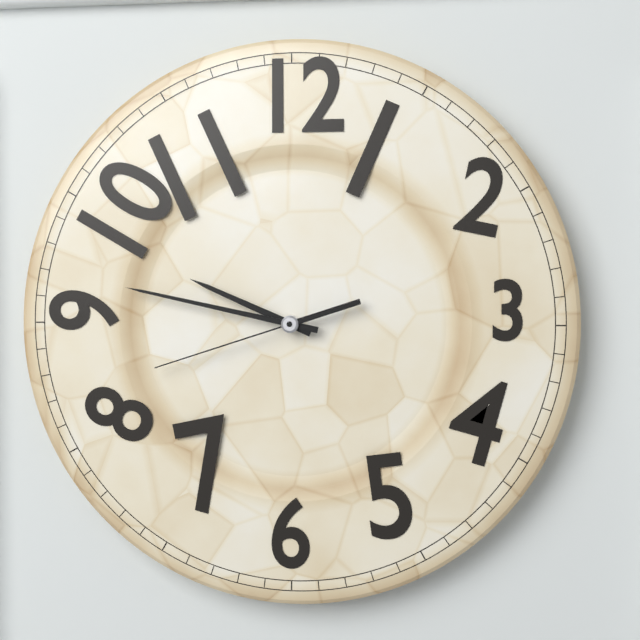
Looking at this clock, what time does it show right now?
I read 9:47:42
